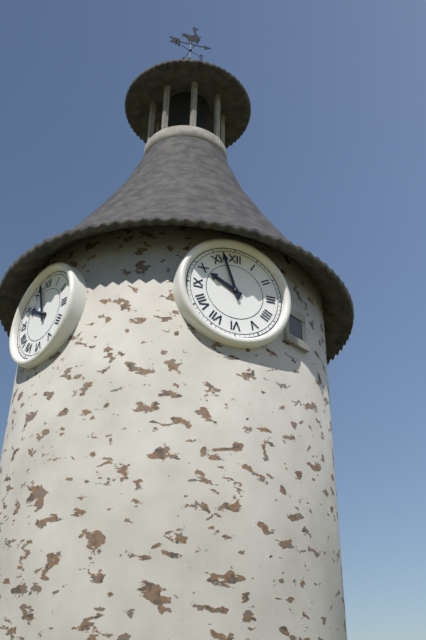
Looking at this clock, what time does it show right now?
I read 9:57
